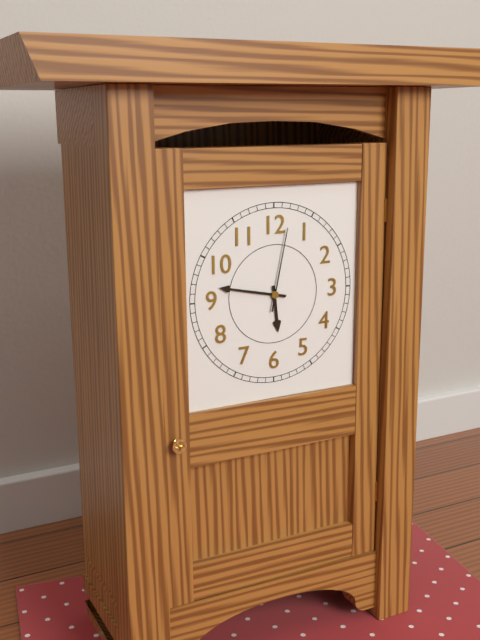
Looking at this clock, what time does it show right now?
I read 5:47:02
